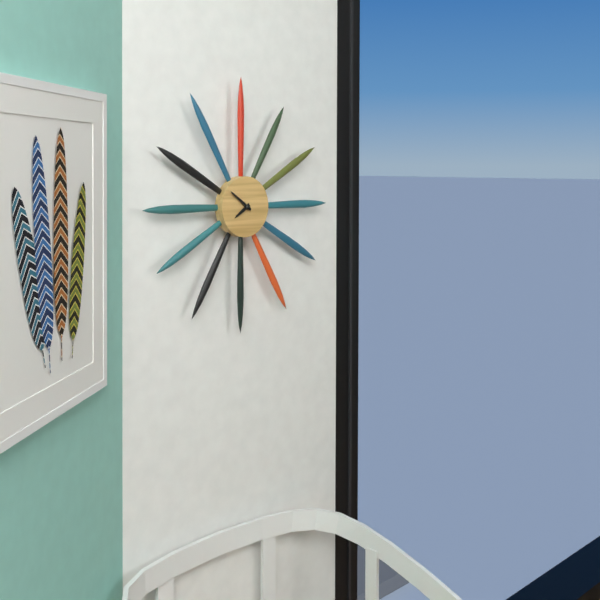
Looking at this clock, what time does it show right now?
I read 7:51
